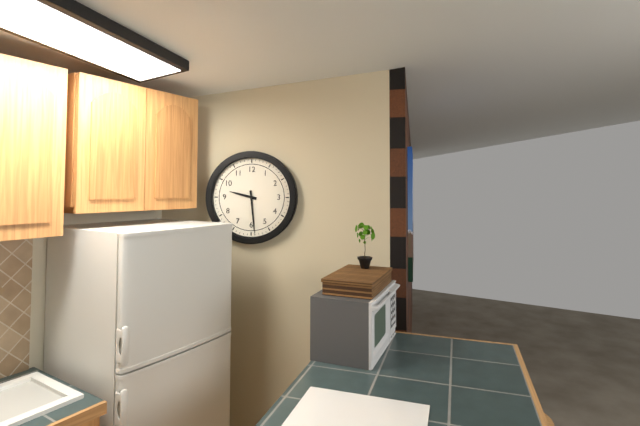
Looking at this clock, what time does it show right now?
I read 9:29
